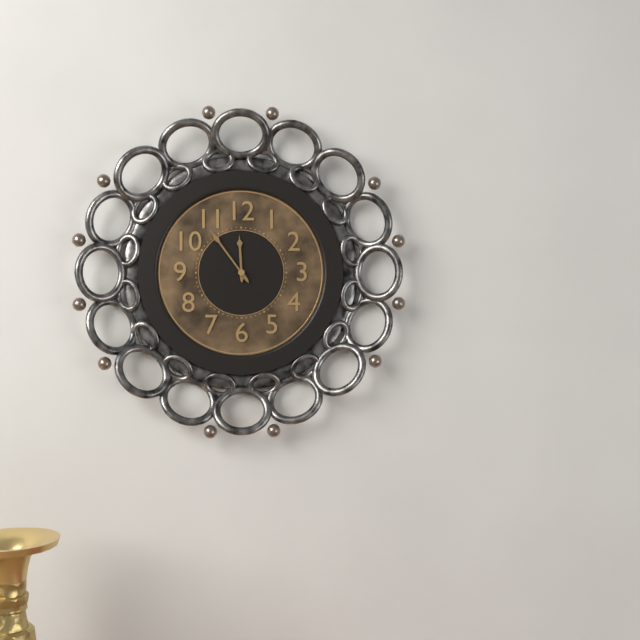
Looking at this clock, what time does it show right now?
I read 11:54
